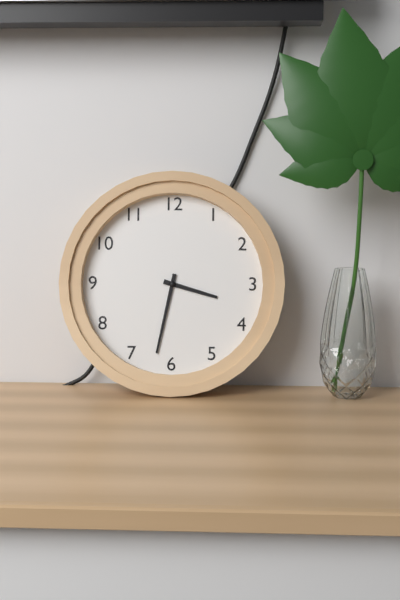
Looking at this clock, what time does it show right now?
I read 3:32
